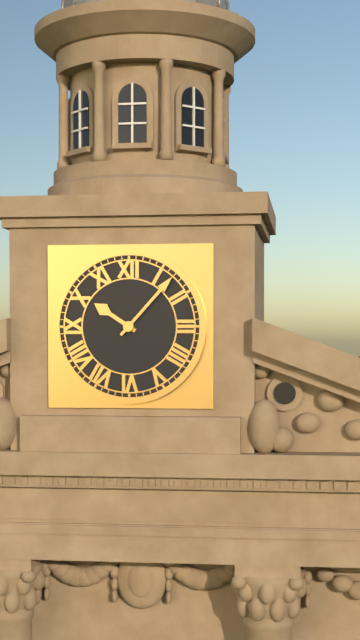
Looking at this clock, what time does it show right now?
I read 10:07
